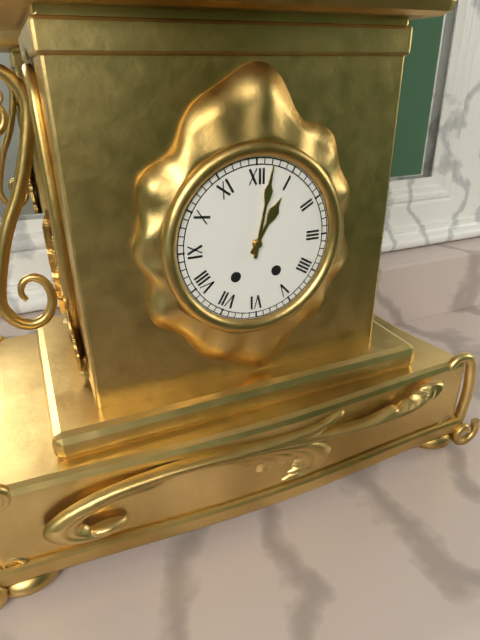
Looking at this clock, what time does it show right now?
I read 1:02
